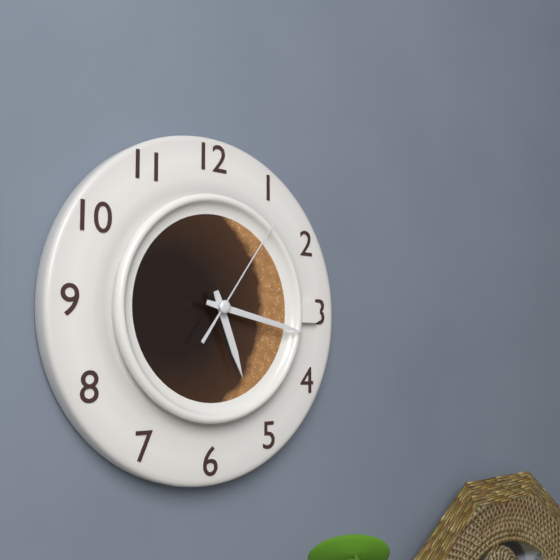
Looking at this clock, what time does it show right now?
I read 5:17:06
